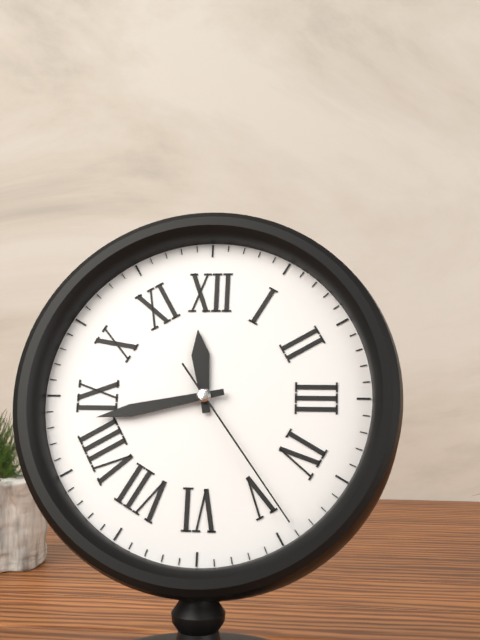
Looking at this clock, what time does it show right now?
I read 11:43:24
